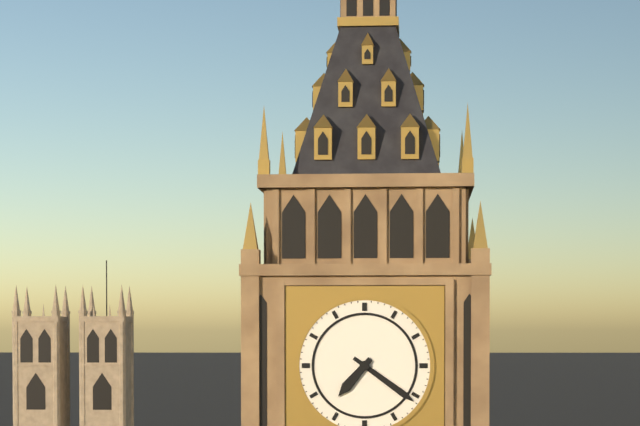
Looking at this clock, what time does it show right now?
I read 7:21
